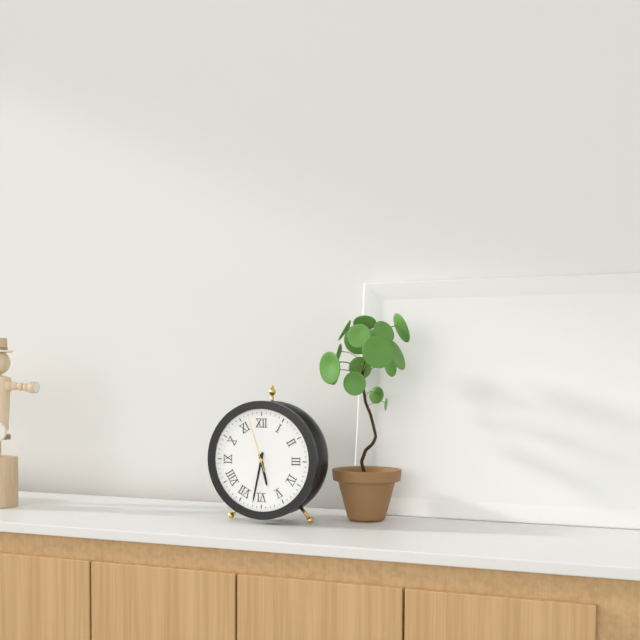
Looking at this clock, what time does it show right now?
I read 5:32:57
